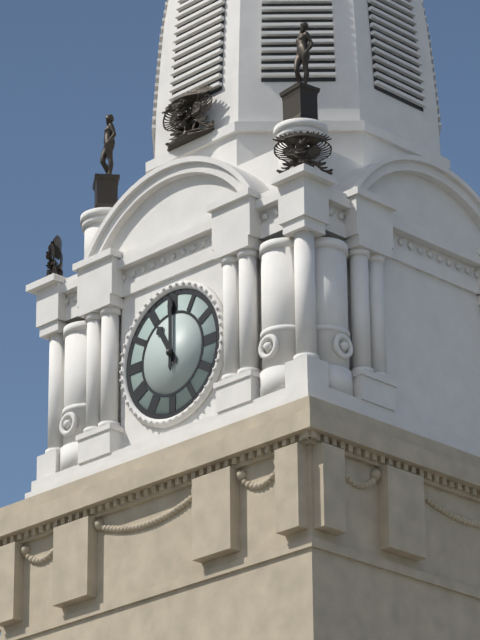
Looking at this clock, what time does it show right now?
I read 11:00
